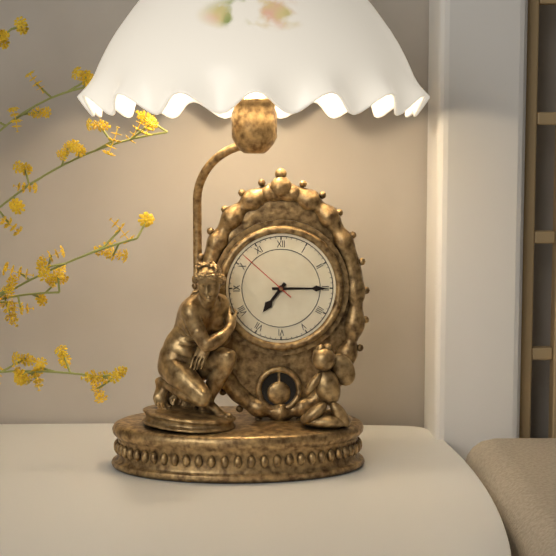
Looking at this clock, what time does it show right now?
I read 7:15:52
